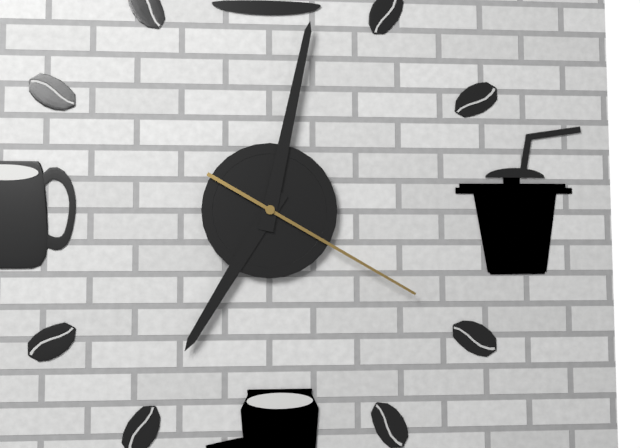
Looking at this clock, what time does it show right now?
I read 7:02:20
